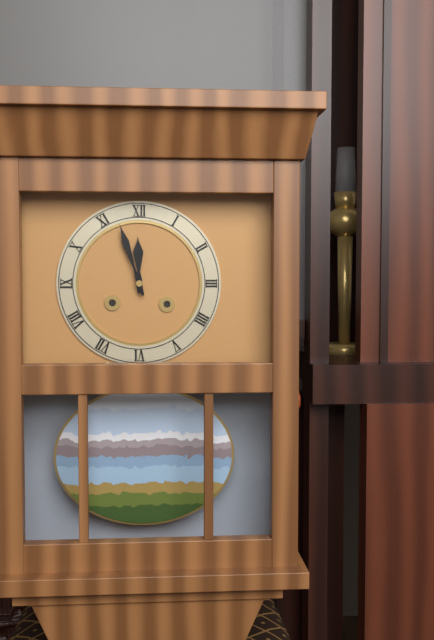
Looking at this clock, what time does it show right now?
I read 11:57
